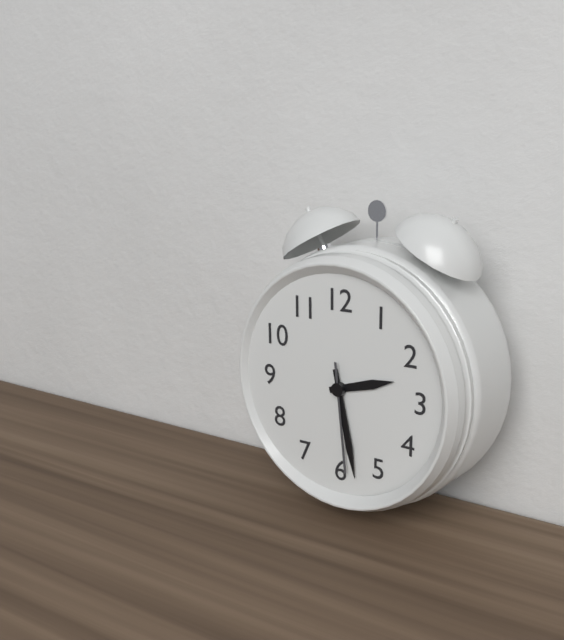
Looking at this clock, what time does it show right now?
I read 2:28:29
